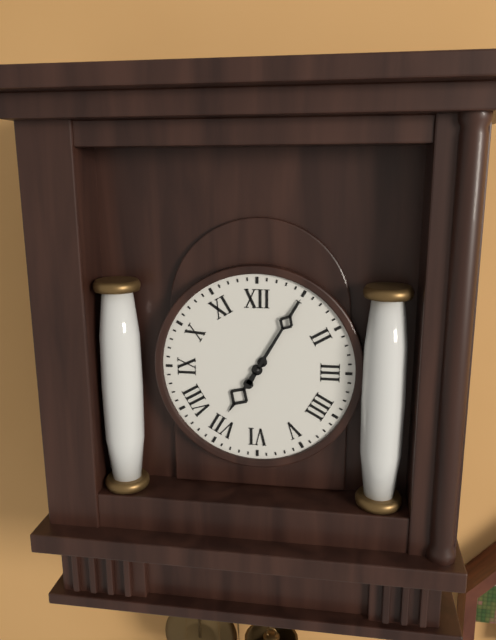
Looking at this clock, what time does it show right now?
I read 7:05
